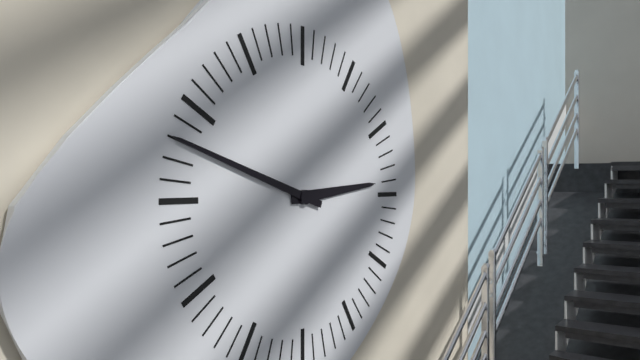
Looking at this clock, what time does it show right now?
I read 2:48
